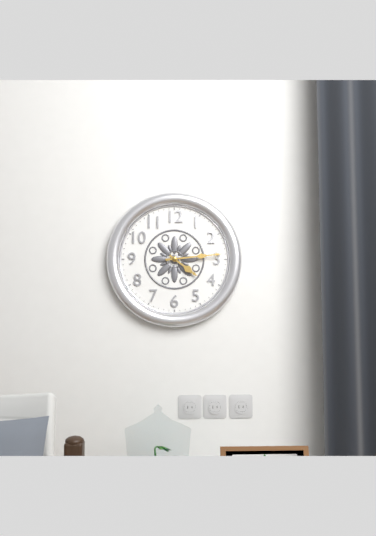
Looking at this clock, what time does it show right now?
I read 4:14
